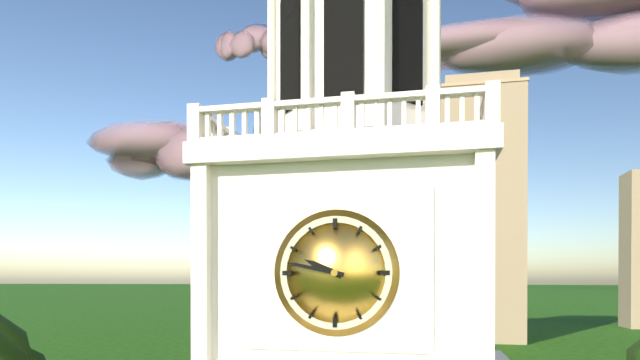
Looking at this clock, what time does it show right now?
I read 9:47
